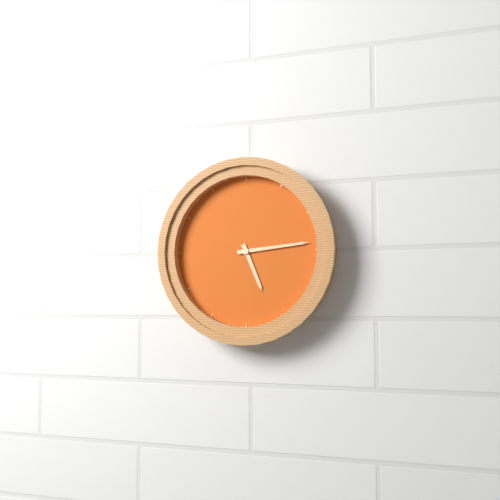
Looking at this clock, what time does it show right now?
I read 5:14
